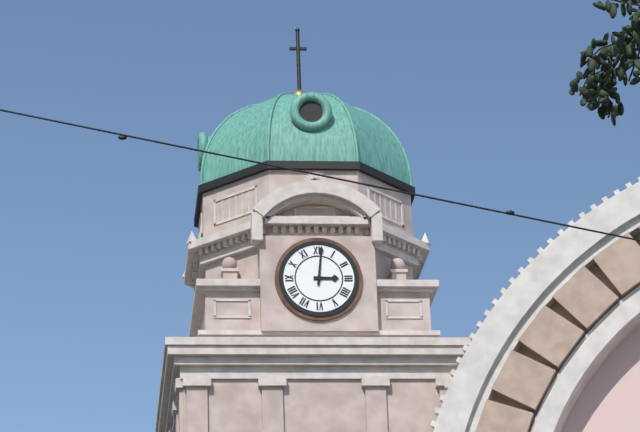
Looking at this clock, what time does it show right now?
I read 3:01
